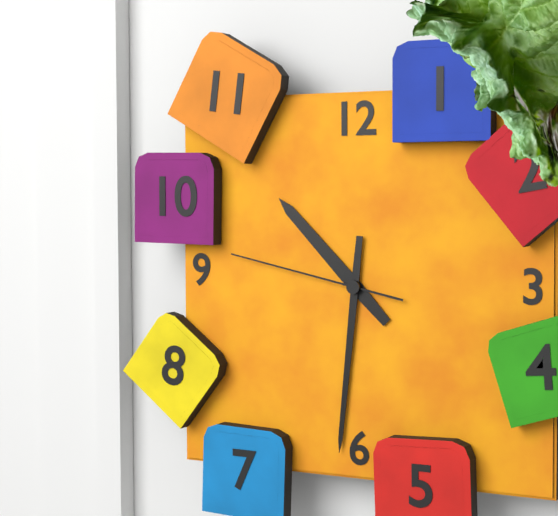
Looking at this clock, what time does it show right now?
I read 10:31:47
